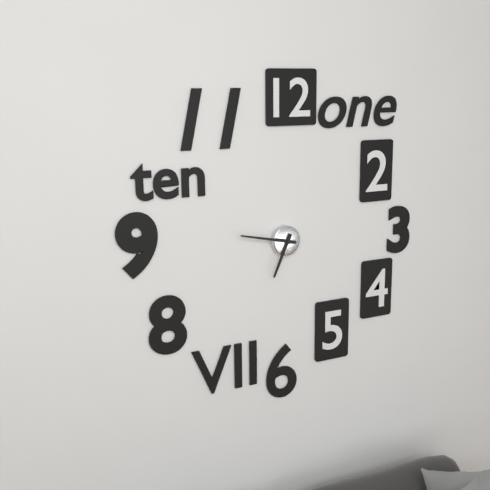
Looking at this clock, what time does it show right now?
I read 6:47
